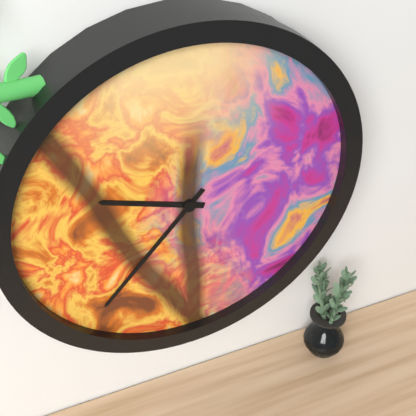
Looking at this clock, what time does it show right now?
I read 9:37
